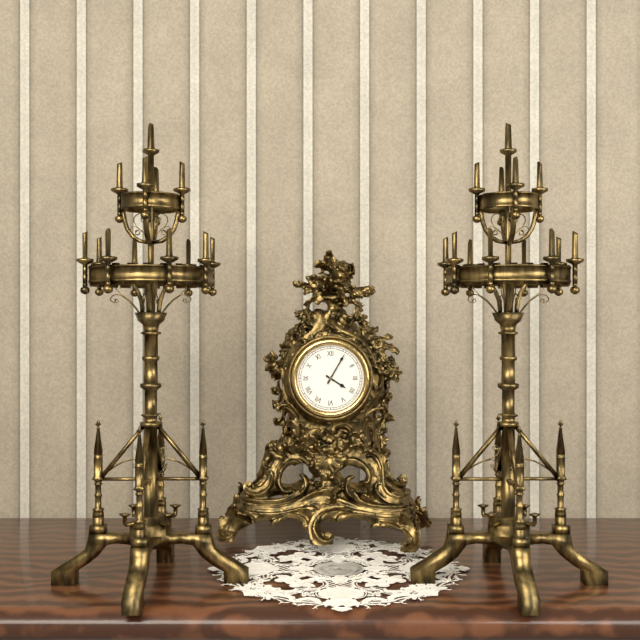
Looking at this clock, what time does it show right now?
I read 4:05
